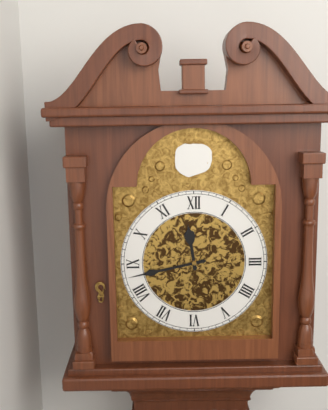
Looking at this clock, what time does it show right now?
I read 11:43
